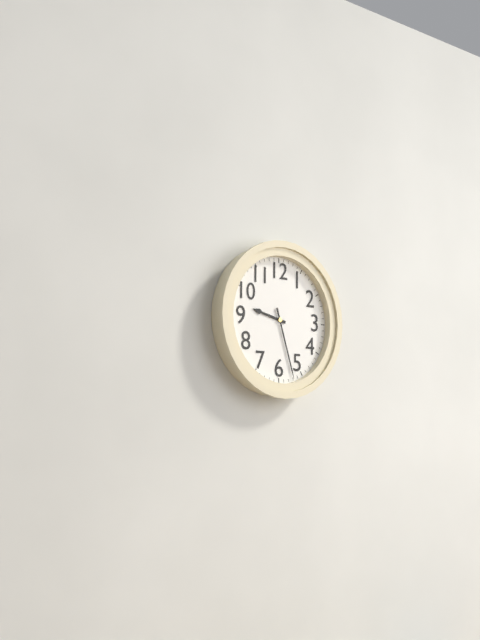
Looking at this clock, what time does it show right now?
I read 9:27
